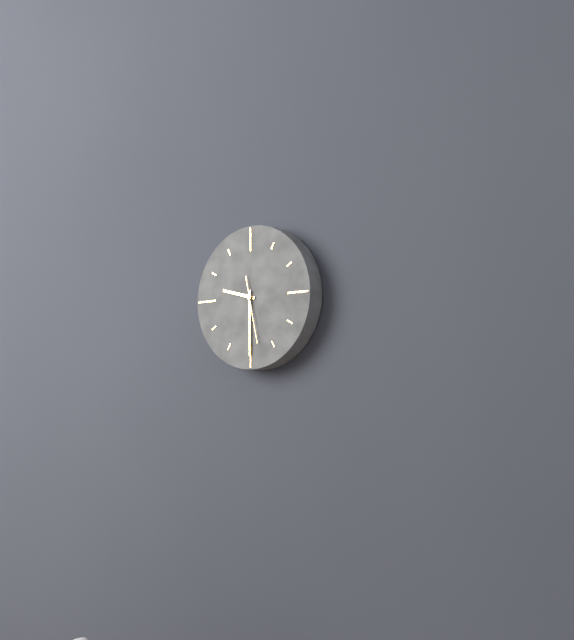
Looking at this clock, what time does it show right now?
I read 9:30:28
